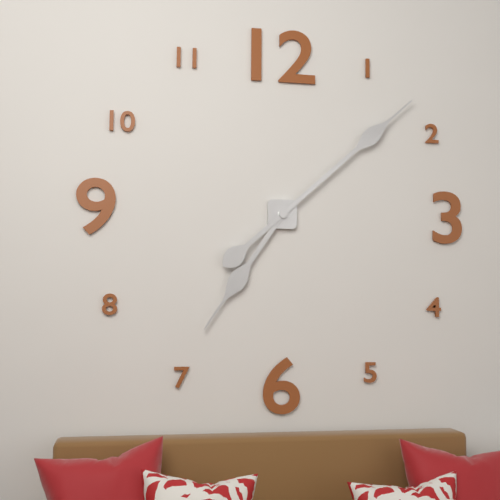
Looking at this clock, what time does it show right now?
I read 7:08
